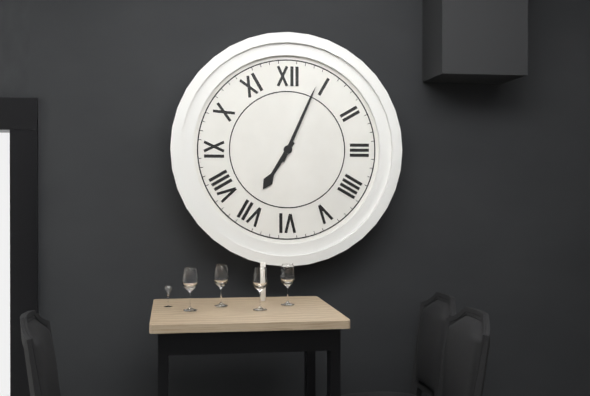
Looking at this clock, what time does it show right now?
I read 7:04
